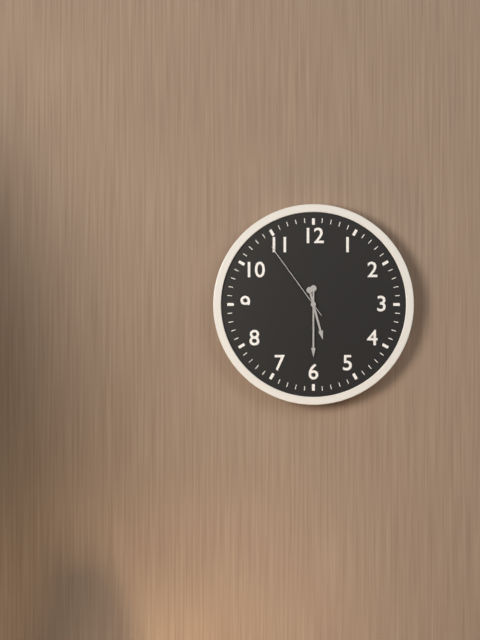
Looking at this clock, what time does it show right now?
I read 5:30:54
